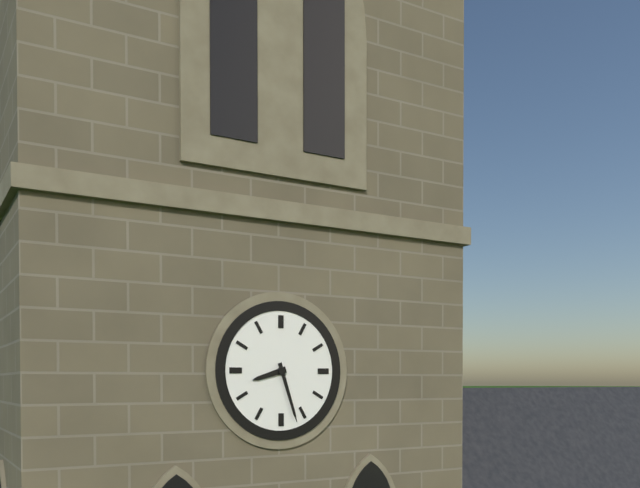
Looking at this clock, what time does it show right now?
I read 8:27
